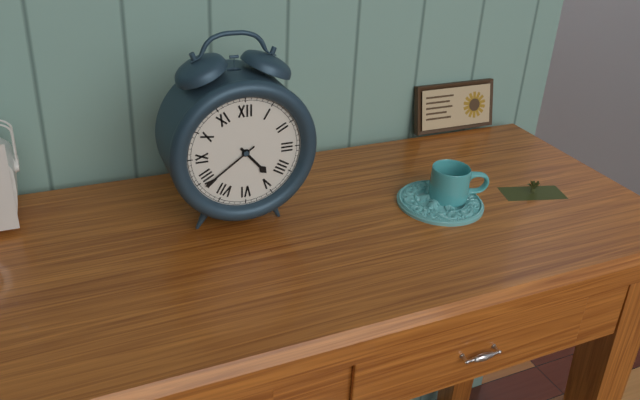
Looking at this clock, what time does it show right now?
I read 4:39
